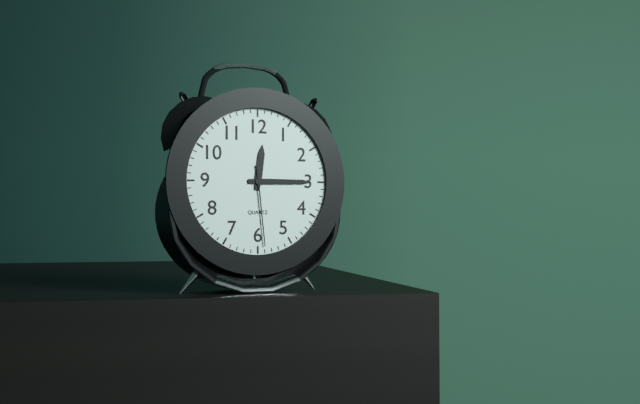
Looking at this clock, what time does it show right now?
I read 12:15:29
